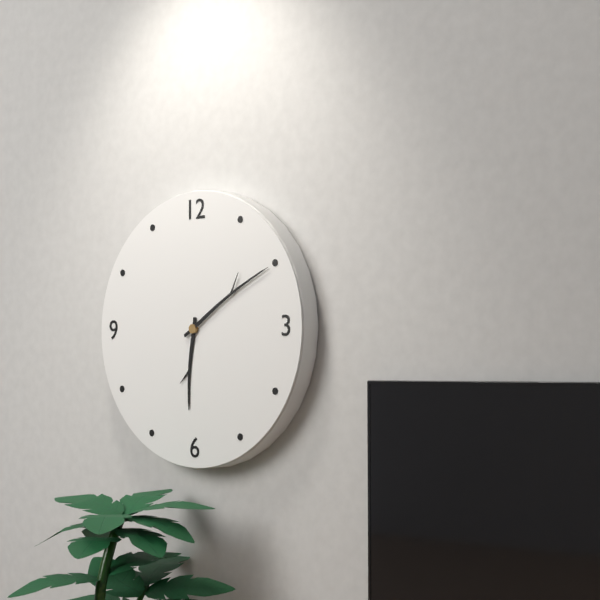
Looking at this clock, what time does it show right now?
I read 6:10
